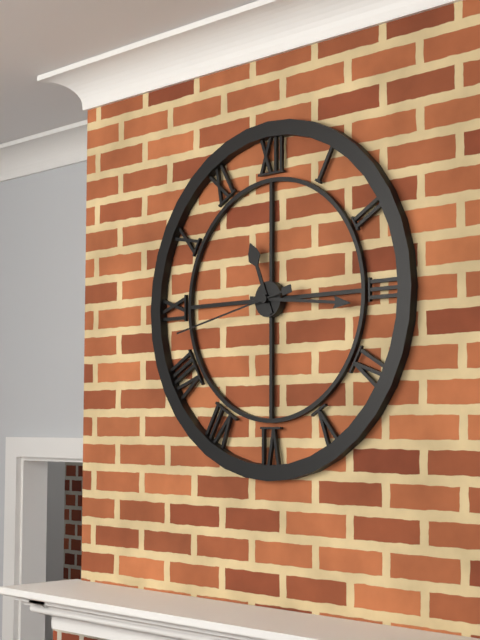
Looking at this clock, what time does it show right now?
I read 11:16:43
